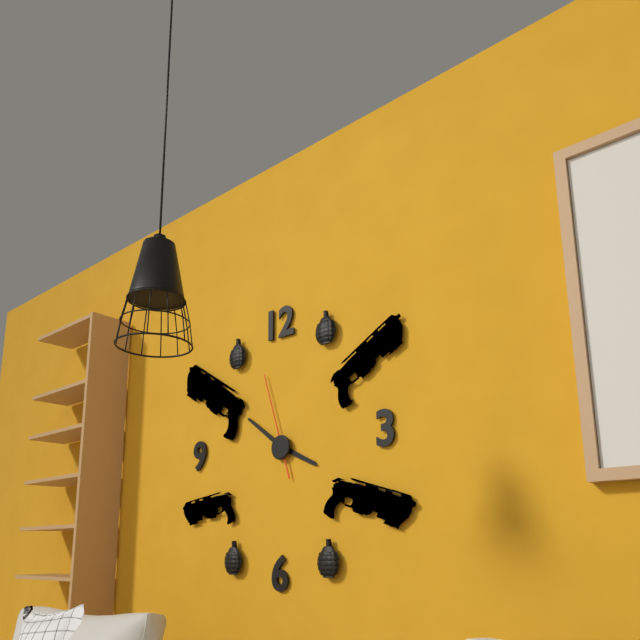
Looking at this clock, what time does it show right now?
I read 3:51:57
